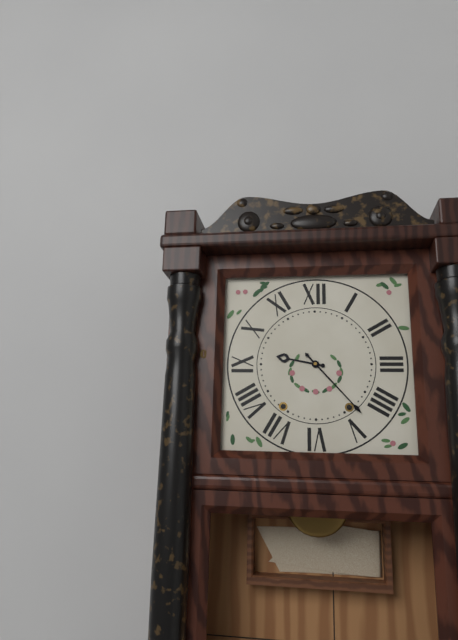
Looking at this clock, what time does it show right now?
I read 9:23
